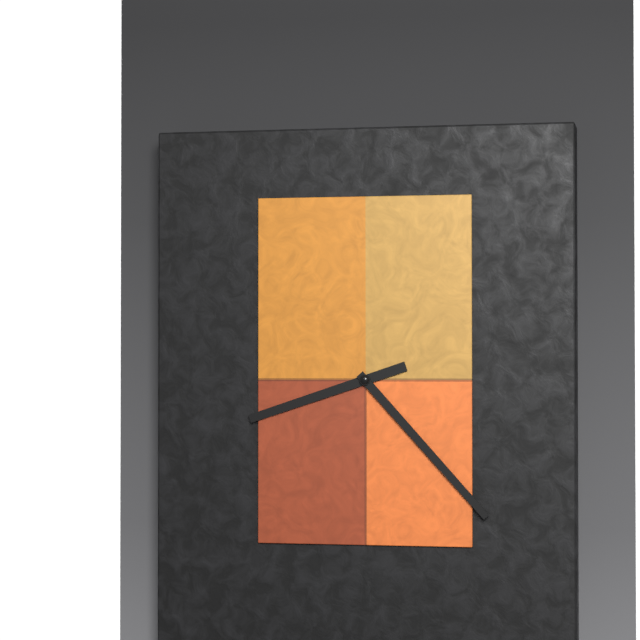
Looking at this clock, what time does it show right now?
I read 8:23
